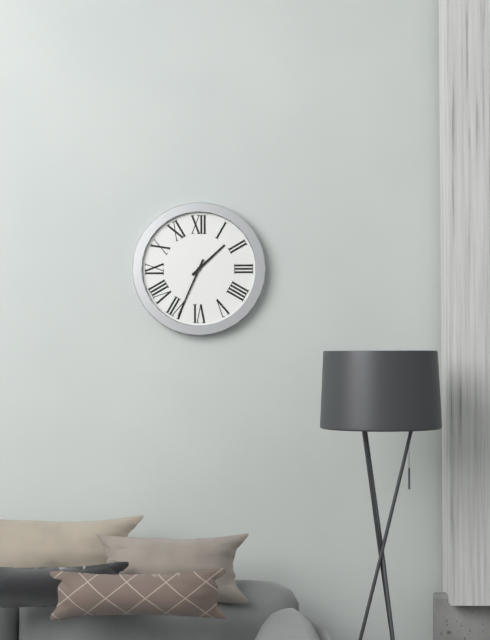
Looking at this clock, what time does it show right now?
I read 1:34
